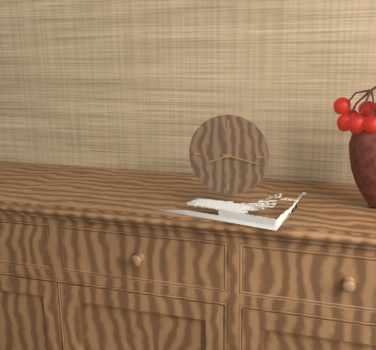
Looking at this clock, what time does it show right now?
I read 8:17
